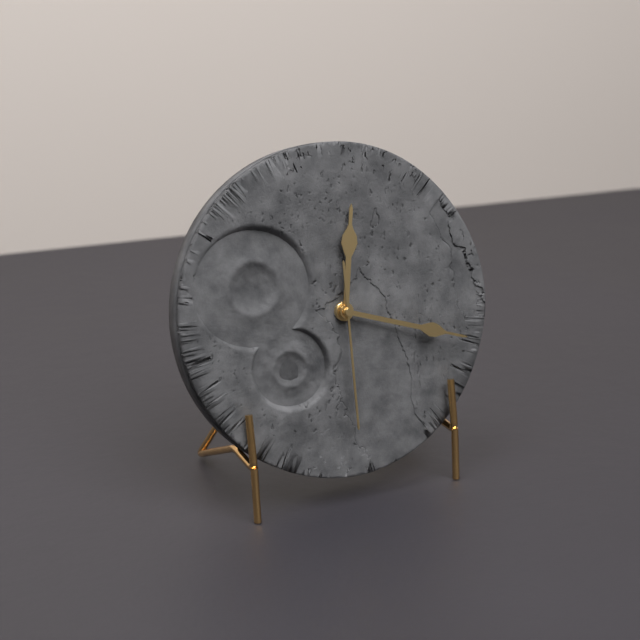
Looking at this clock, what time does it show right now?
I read 12:18:30
